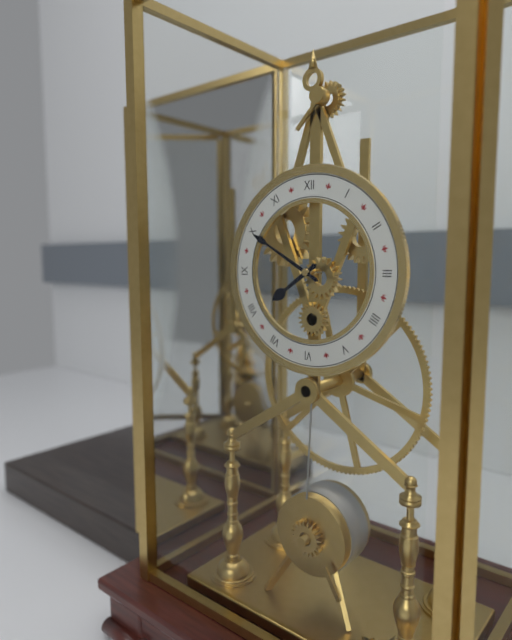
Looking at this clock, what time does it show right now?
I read 7:50
